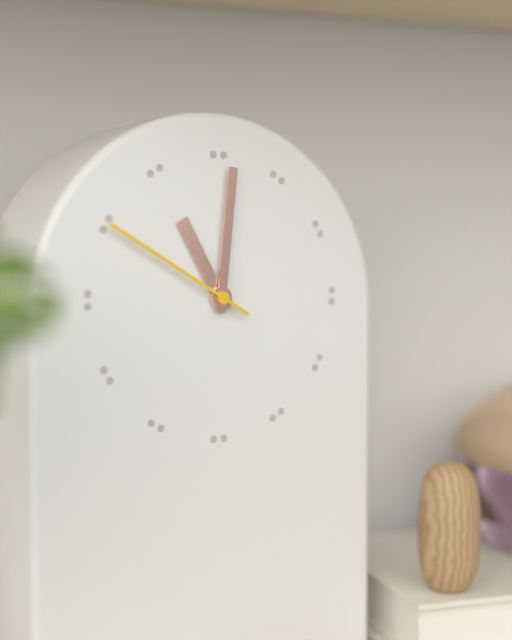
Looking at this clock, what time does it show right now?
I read 11:01:50
